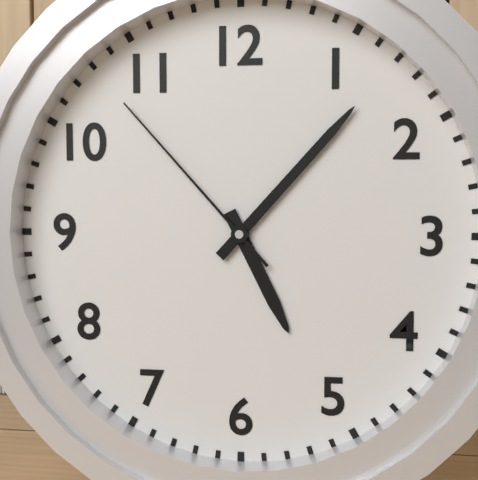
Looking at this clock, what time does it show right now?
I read 5:07:53
